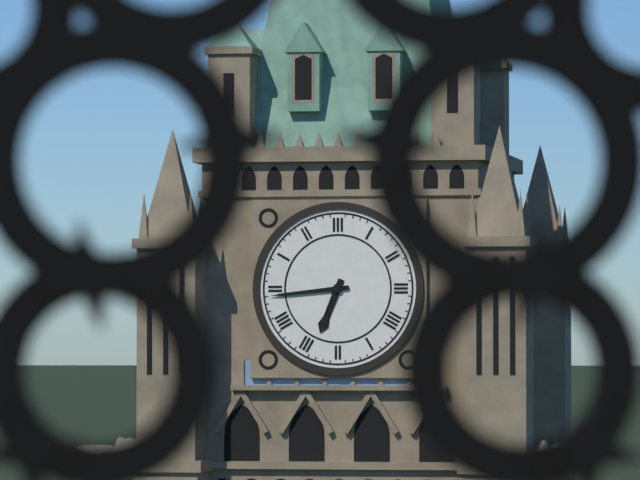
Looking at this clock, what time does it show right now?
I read 6:44
